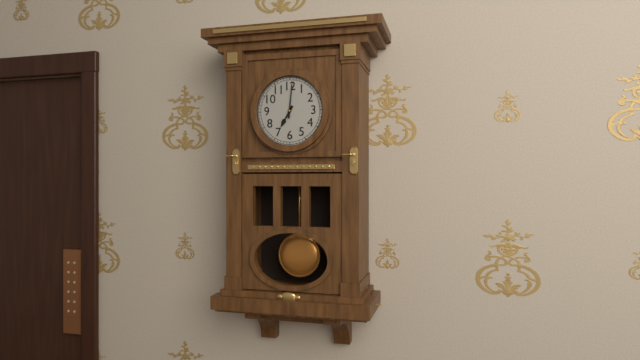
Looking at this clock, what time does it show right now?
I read 7:01
